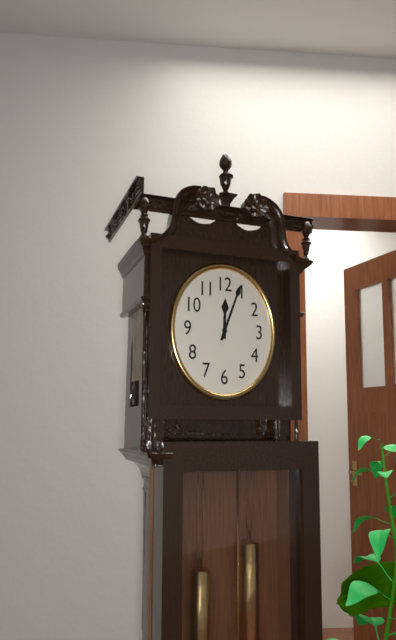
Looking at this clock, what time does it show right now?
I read 12:04
